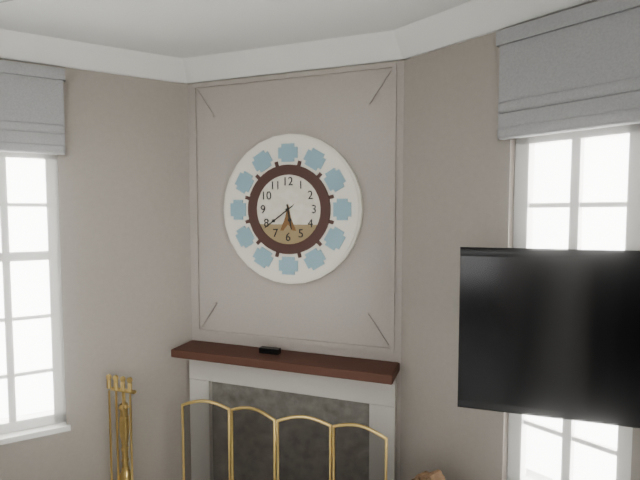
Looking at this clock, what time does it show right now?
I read 5:39
